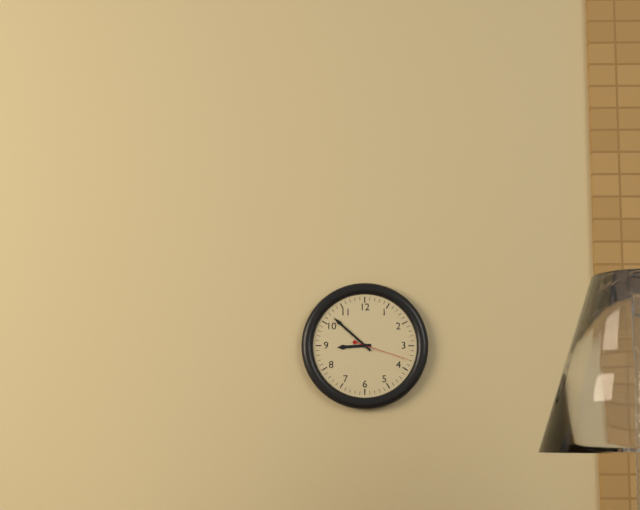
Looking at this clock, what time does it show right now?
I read 8:52:18
